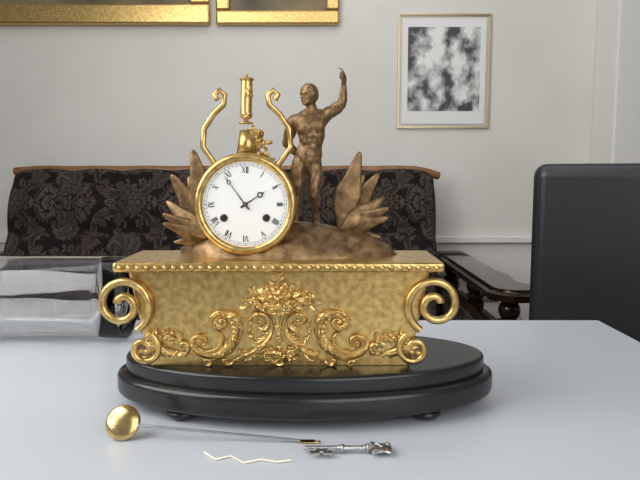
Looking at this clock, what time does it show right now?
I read 1:54
